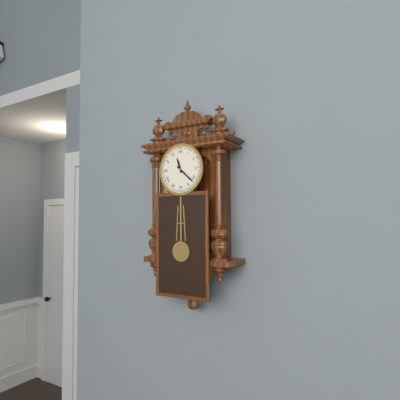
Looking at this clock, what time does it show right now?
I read 11:22
